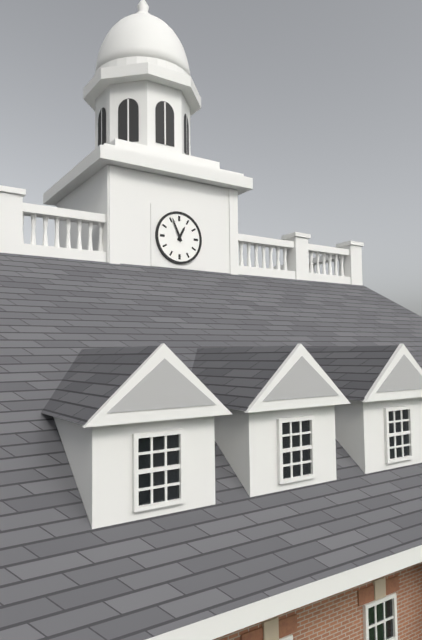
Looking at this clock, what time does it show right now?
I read 12:56
